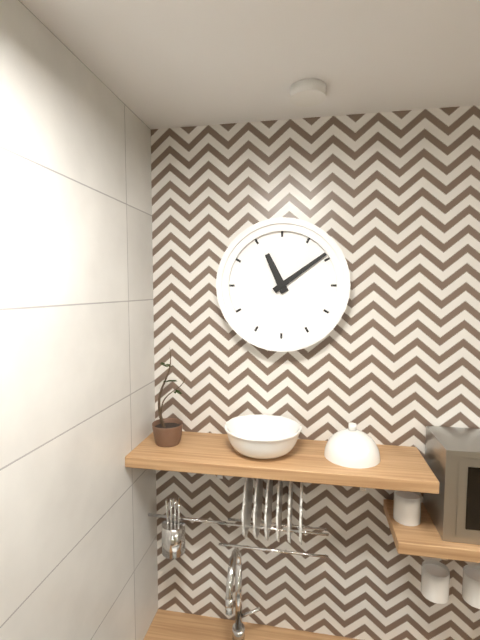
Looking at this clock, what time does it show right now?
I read 11:09
